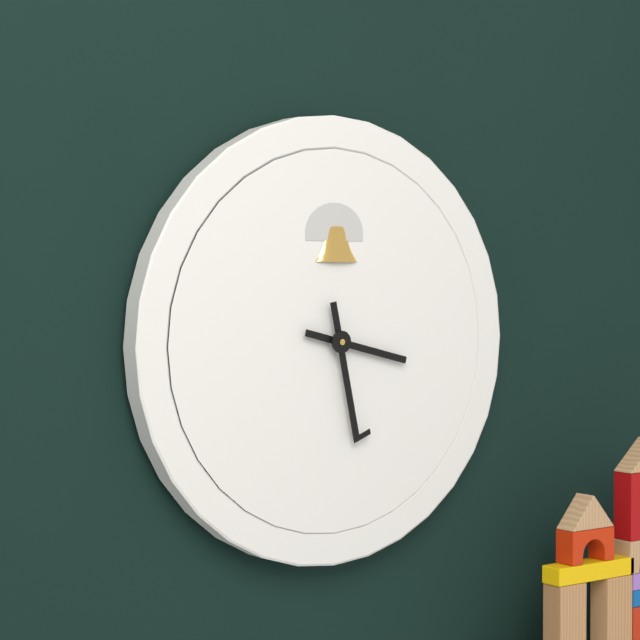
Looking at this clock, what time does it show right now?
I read 3:28
